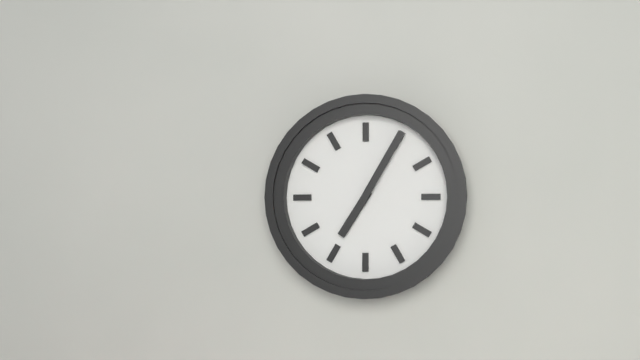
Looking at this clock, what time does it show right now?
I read 7:05
